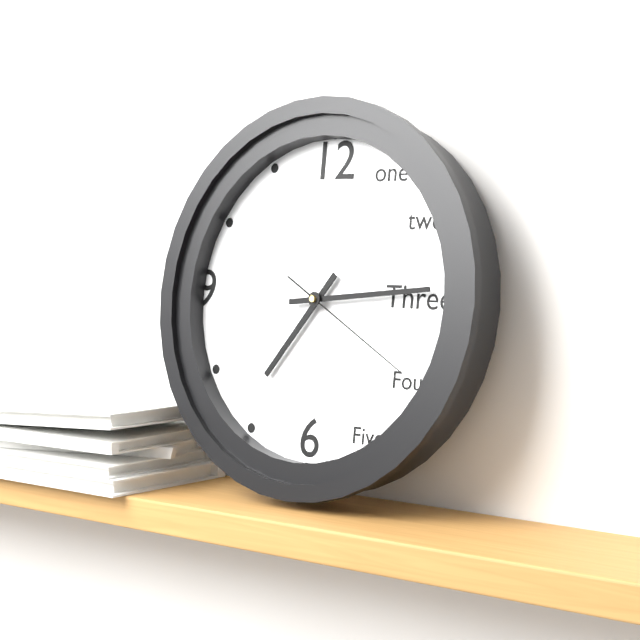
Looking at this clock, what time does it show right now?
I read 7:14:20
